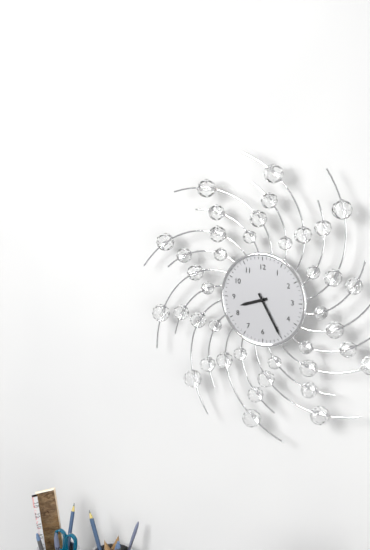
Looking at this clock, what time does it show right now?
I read 8:25
